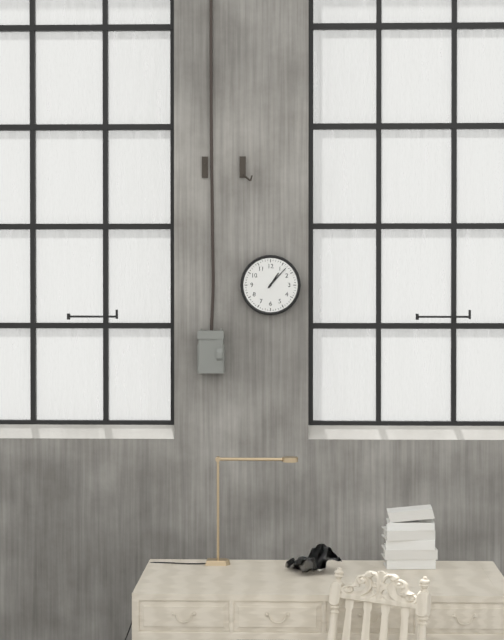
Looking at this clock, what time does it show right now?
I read 1:07
